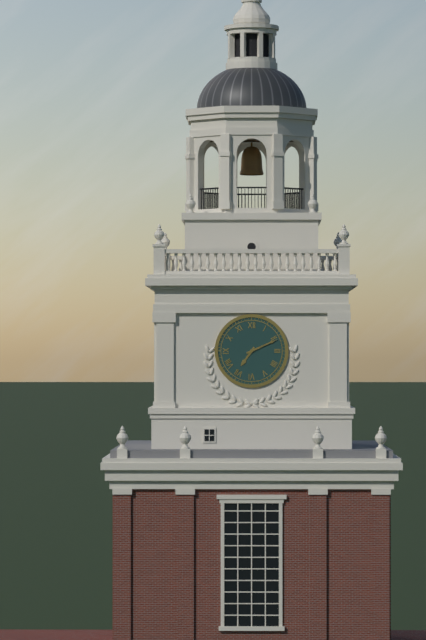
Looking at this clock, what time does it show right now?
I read 7:11
